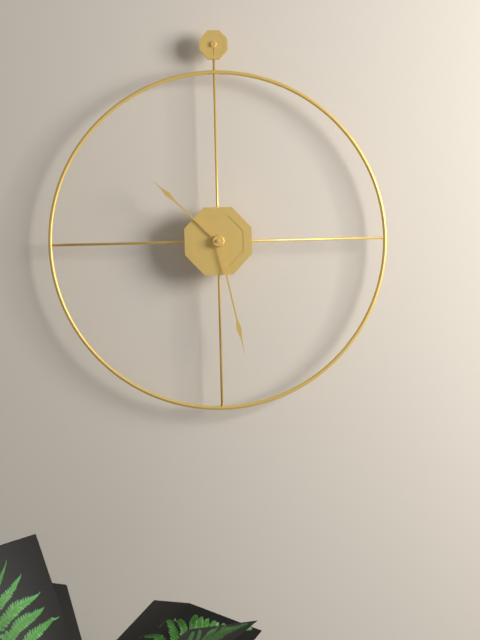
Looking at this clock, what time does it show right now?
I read 10:28
